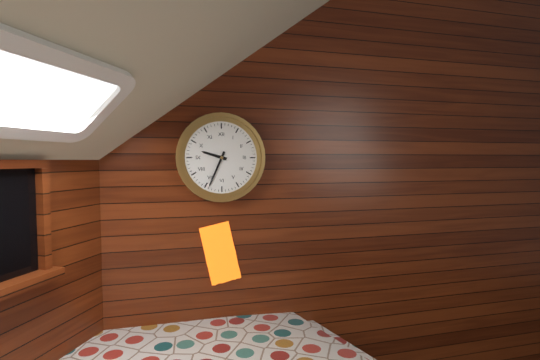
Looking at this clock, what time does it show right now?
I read 9:34
